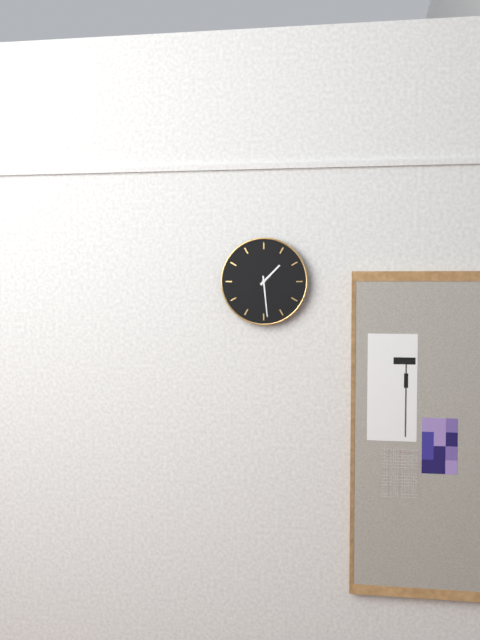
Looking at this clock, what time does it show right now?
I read 1:29
